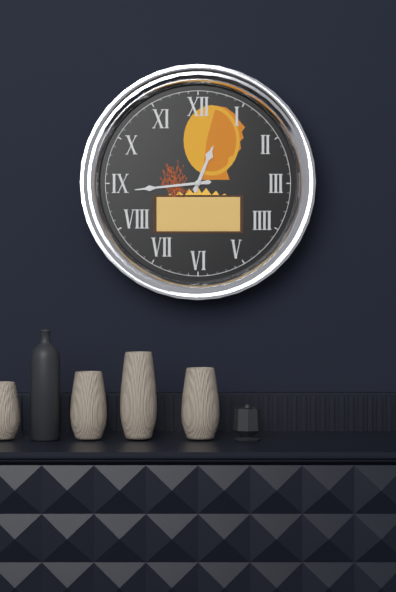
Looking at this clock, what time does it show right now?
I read 12:44
